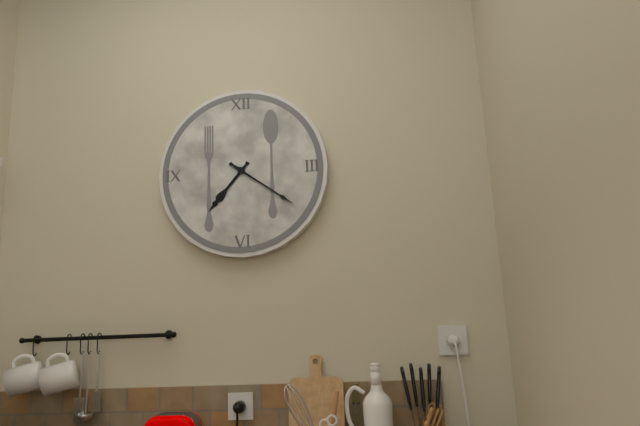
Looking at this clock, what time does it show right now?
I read 7:21
